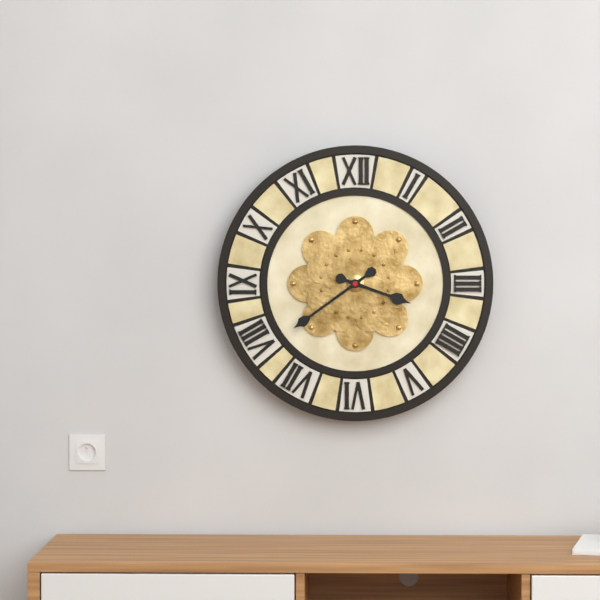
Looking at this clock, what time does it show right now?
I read 3:39
